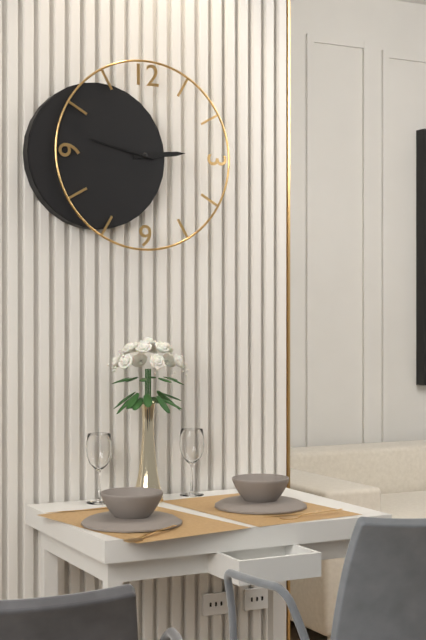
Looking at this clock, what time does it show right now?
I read 2:47
